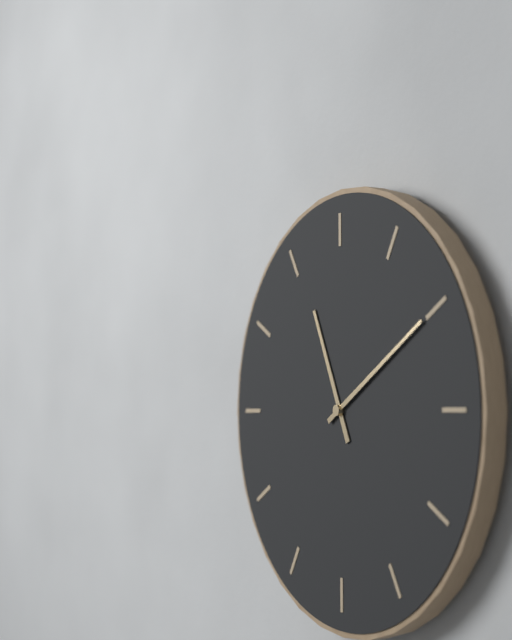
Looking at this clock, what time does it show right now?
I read 11:10
